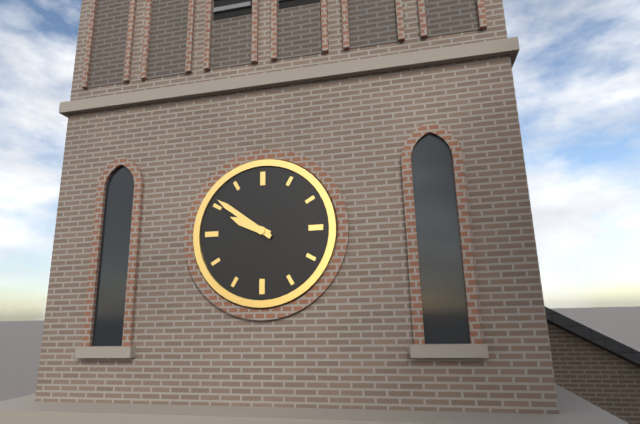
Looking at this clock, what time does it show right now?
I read 9:51
